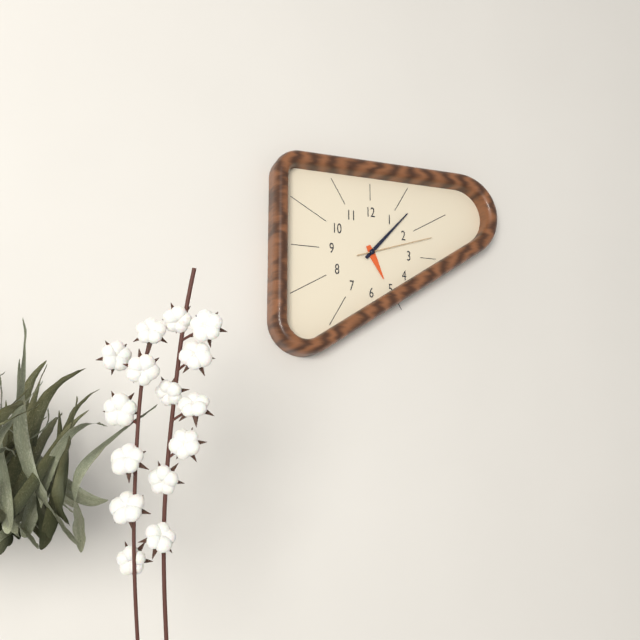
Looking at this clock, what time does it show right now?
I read 5:07:12
